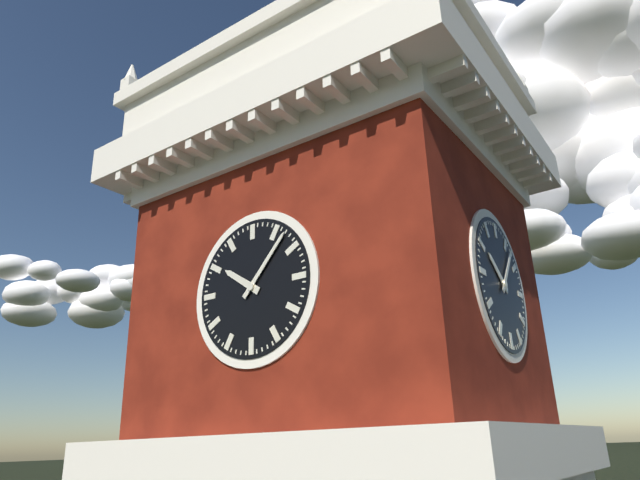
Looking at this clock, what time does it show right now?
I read 10:07
